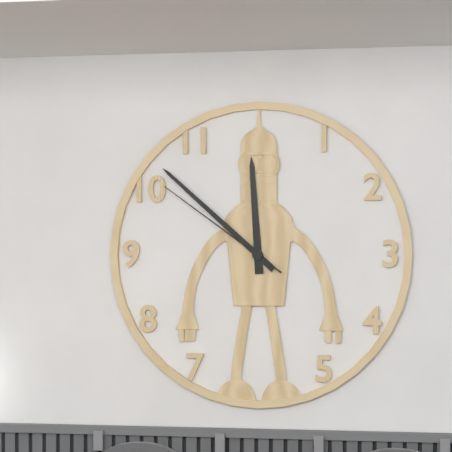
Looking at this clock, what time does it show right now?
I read 11:52:51
